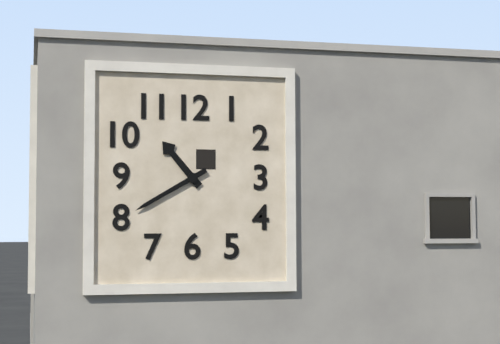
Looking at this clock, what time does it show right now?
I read 10:40
